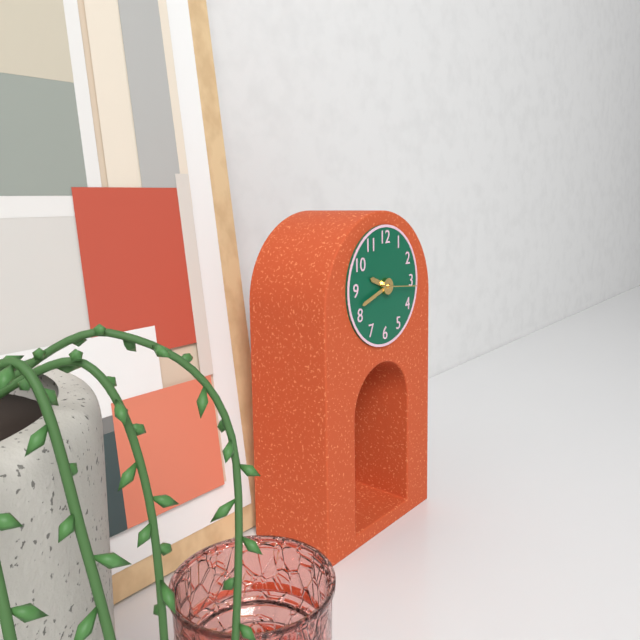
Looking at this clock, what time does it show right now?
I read 9:42
